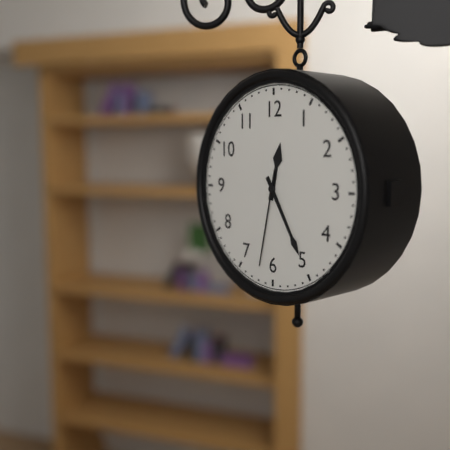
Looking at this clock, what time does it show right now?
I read 12:25:32
